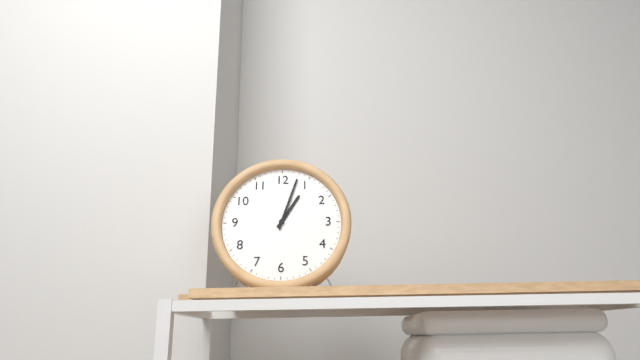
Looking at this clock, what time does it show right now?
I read 1:03
